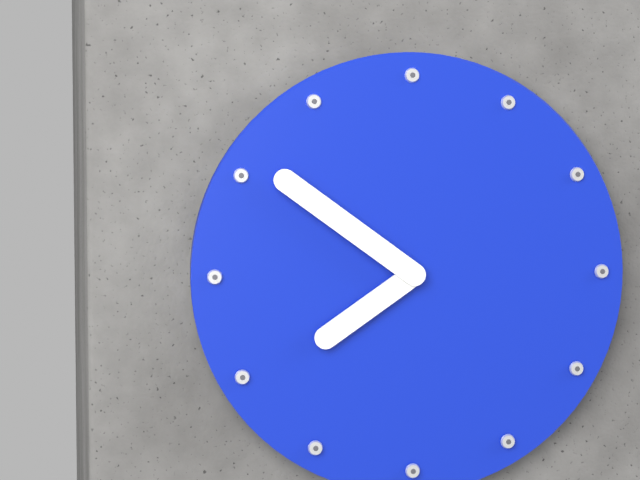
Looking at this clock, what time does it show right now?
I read 7:51
